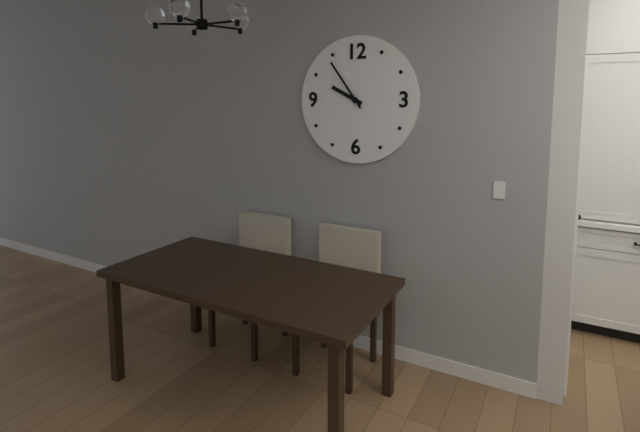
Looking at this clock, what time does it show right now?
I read 9:54
